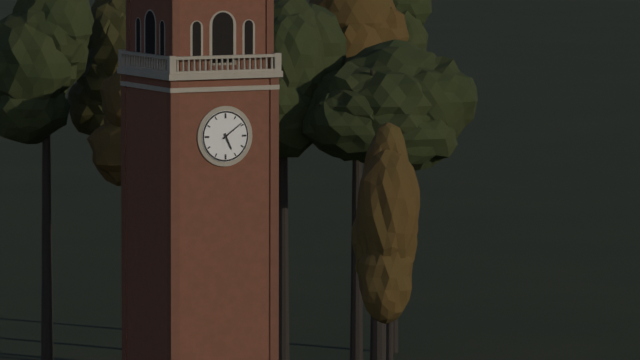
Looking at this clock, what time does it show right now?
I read 5:09
